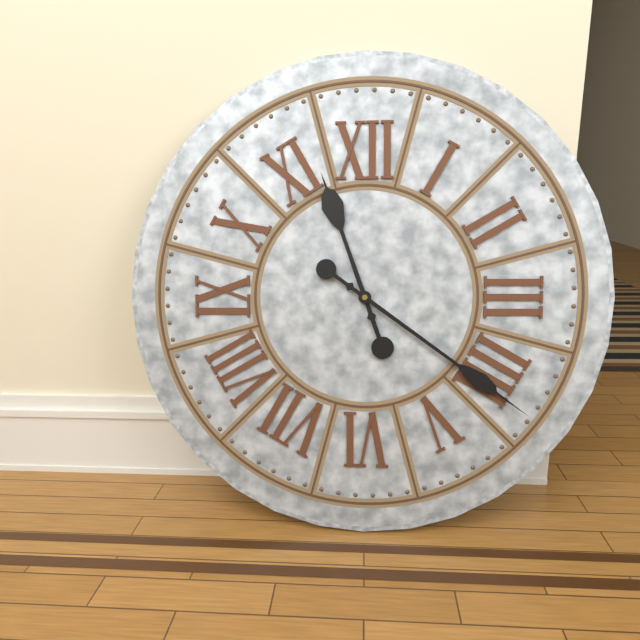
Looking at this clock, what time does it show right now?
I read 11:21
